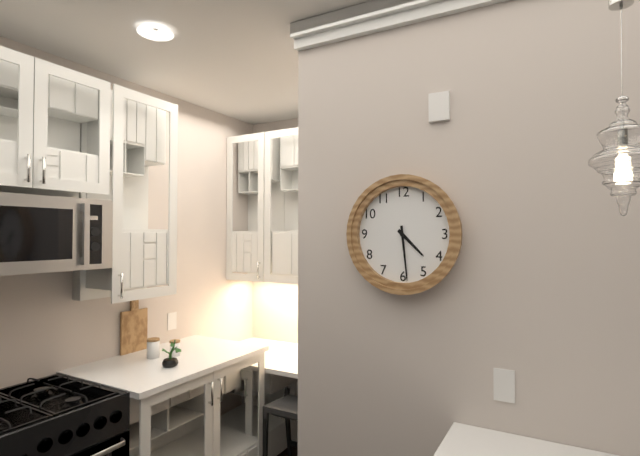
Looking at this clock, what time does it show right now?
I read 4:29
